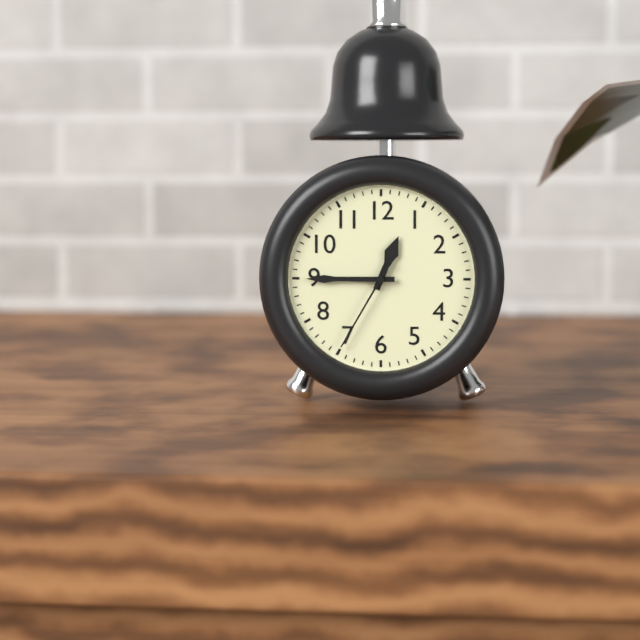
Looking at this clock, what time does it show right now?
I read 12:45:35
